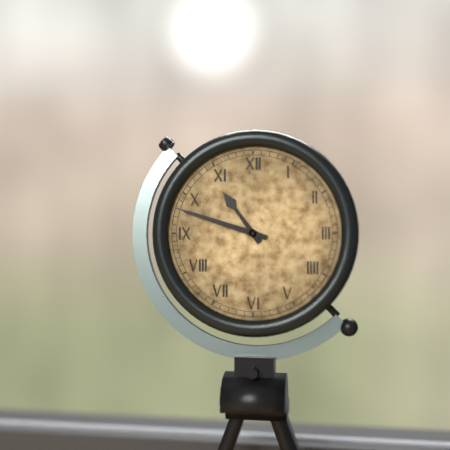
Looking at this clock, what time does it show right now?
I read 10:48
